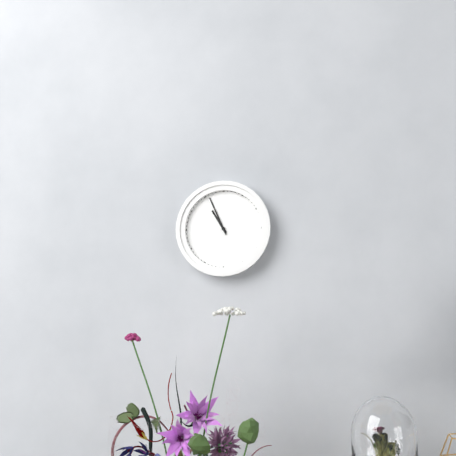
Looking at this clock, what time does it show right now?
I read 10:56
